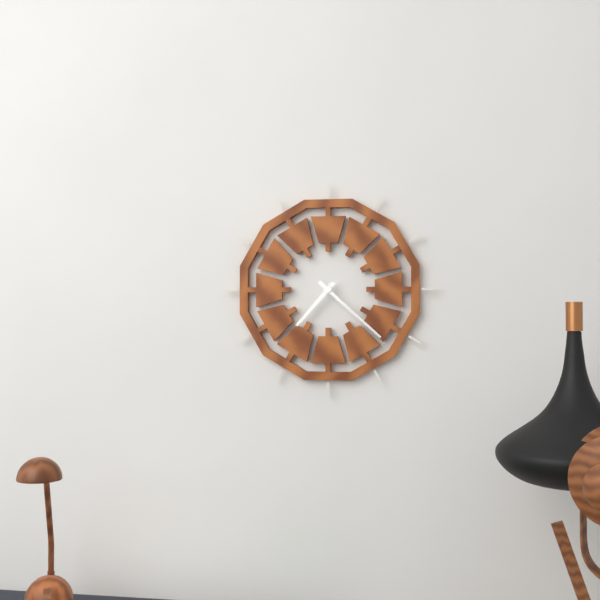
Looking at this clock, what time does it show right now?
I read 7:22
